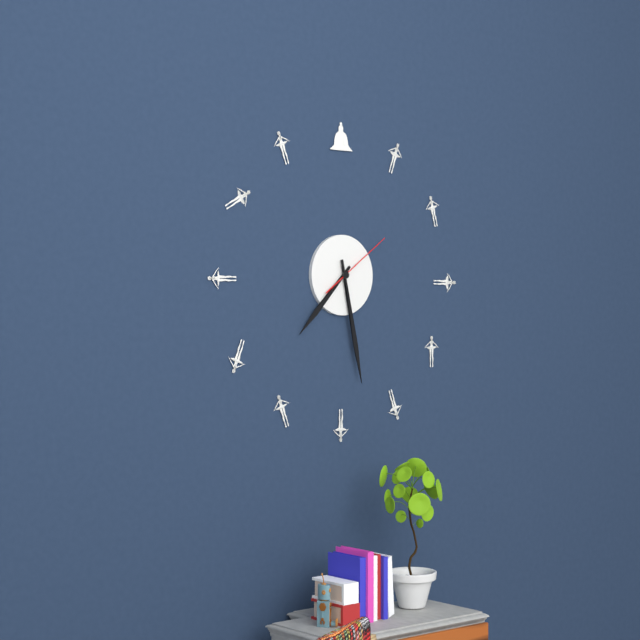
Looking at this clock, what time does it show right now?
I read 7:28:09
